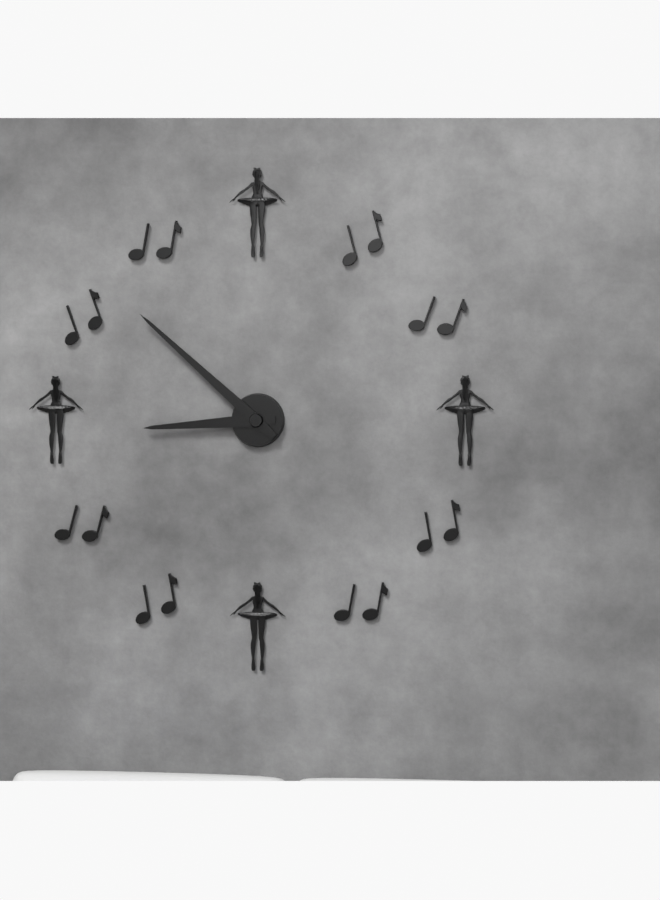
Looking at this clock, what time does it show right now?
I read 8:52
